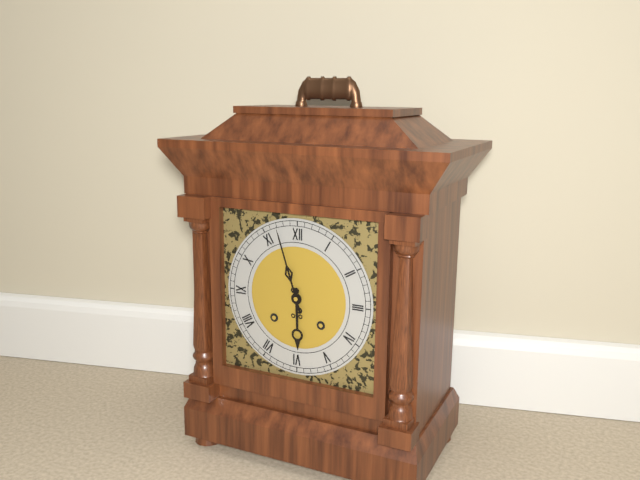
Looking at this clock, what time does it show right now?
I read 5:57
